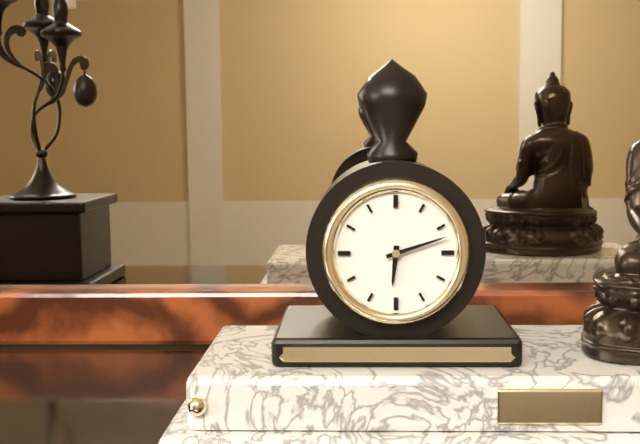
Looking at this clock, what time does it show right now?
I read 6:12
